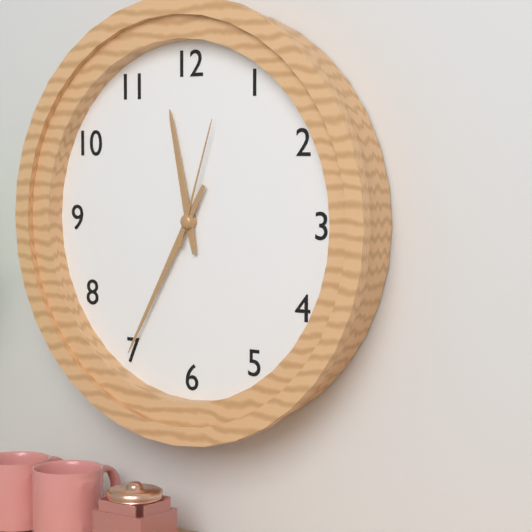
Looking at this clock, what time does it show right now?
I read 11:35:03
